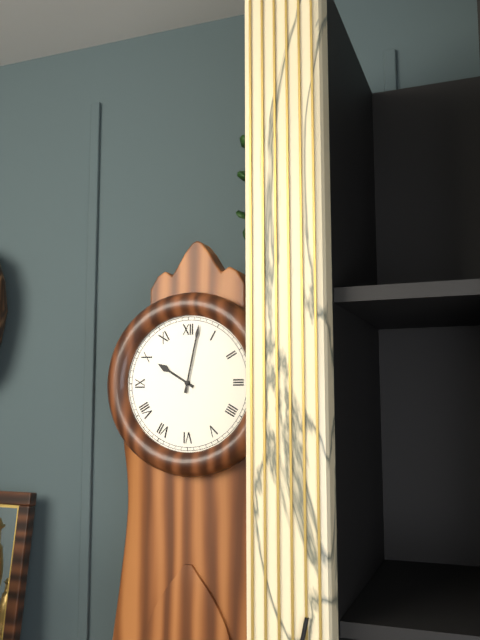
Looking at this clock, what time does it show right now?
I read 10:02
